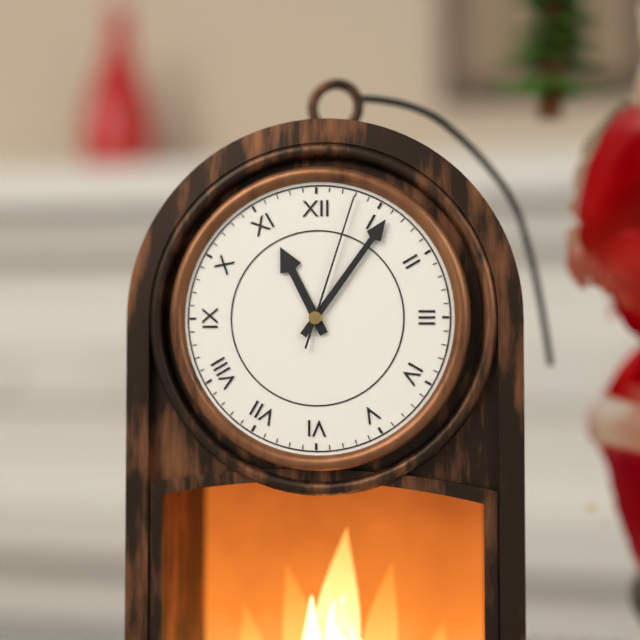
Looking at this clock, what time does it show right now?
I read 11:06:03
